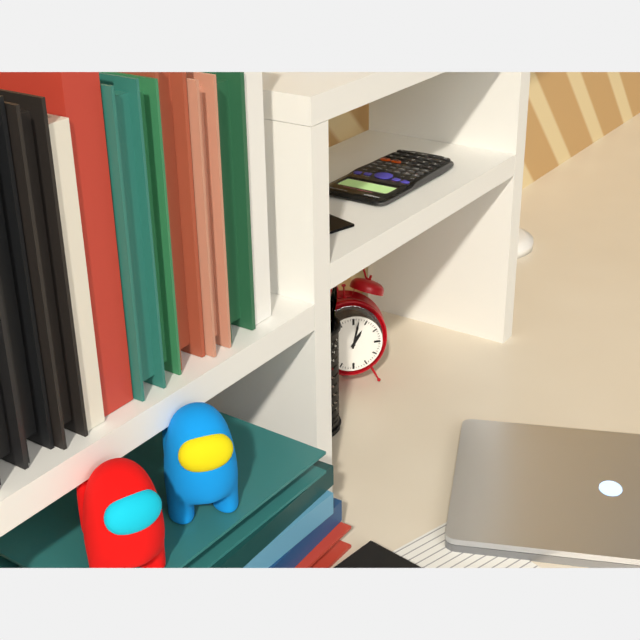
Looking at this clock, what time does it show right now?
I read 1:02
